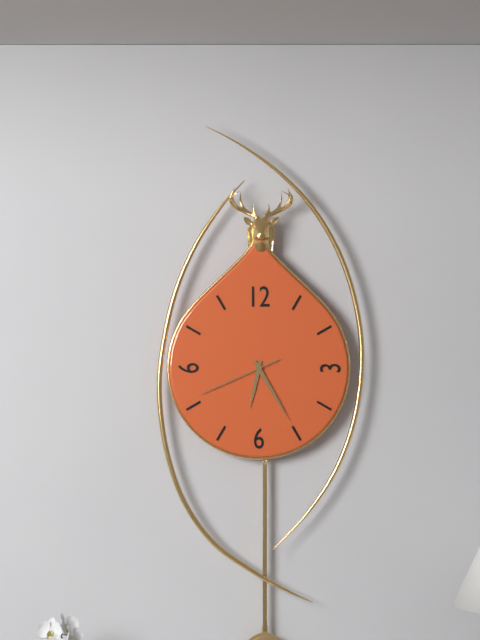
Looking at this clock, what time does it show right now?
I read 6:25:41
